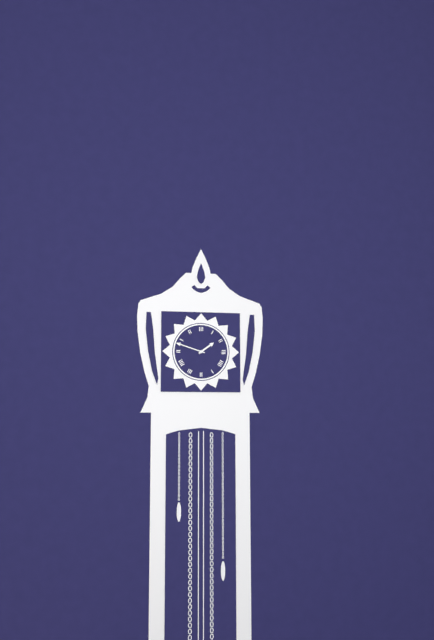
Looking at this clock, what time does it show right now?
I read 1:48
